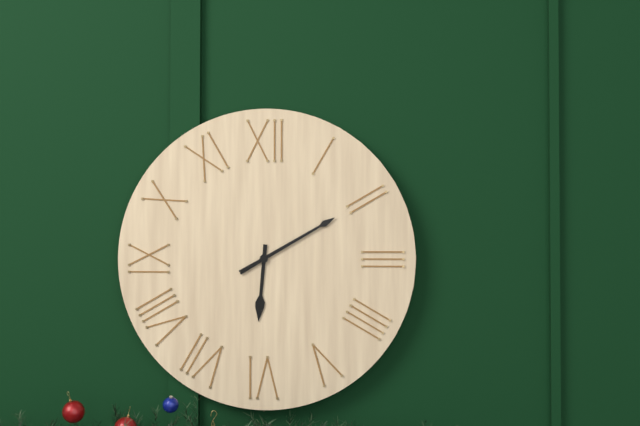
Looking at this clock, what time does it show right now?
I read 6:10
